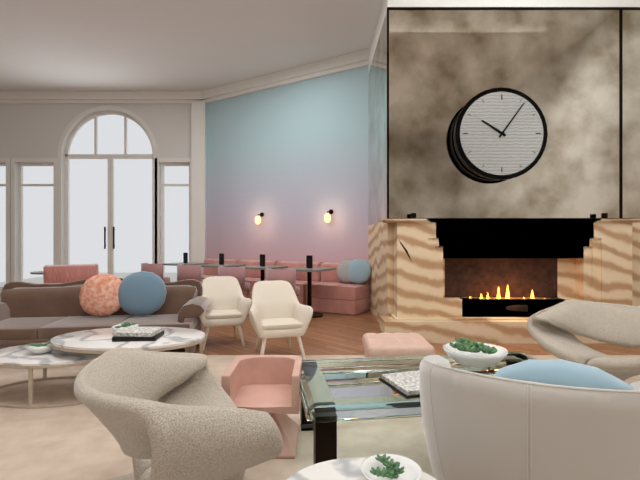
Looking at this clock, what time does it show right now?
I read 10:06
